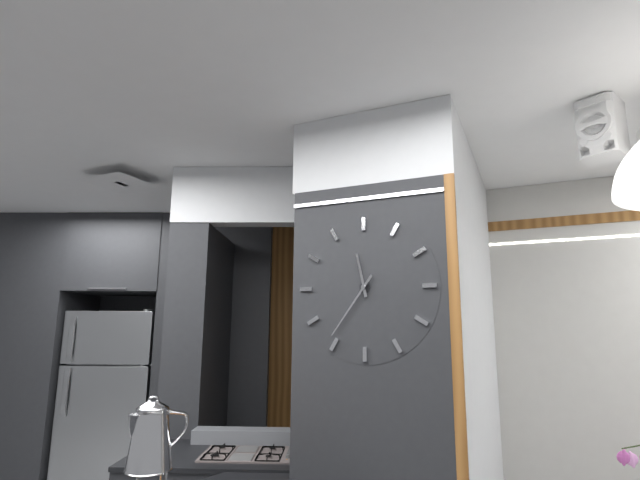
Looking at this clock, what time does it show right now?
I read 11:36
